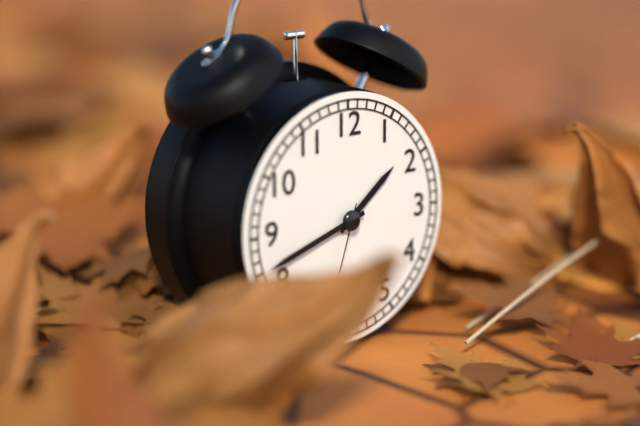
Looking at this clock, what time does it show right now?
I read 1:42:33
